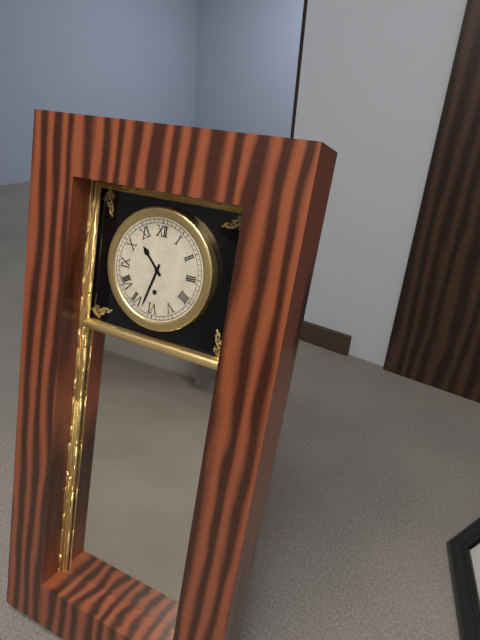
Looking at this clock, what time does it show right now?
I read 10:33
